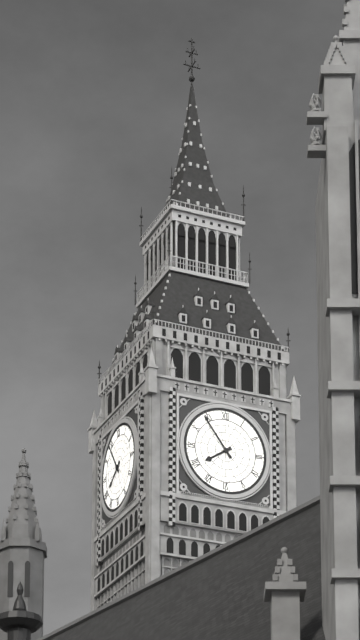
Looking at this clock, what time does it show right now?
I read 7:54
